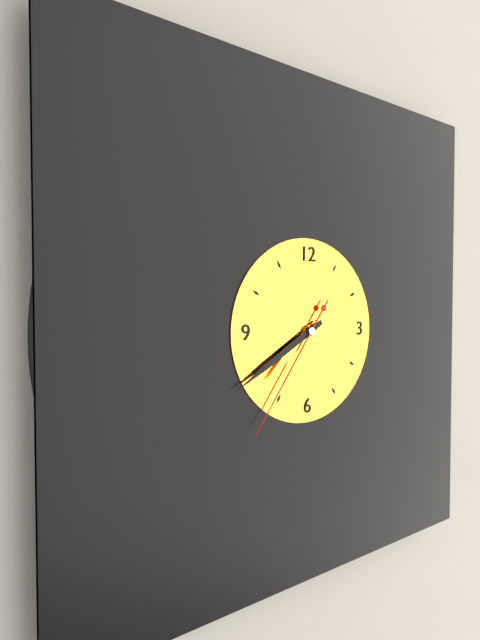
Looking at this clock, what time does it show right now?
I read 7:40:36
